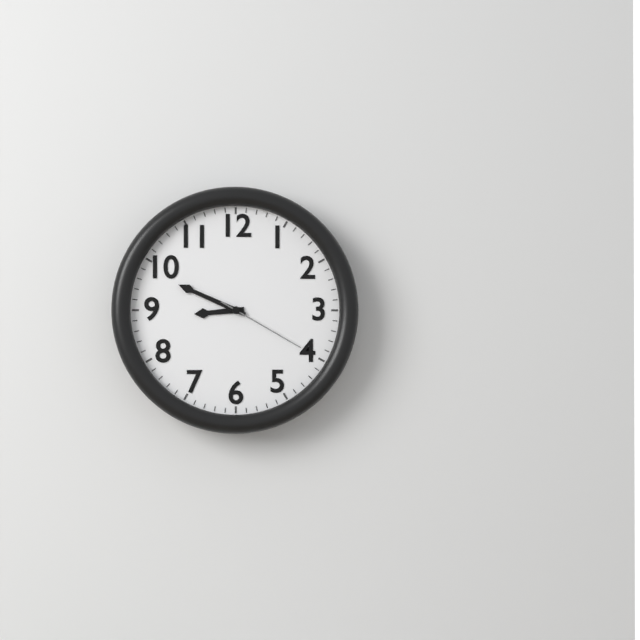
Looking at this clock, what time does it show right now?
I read 8:49:20
